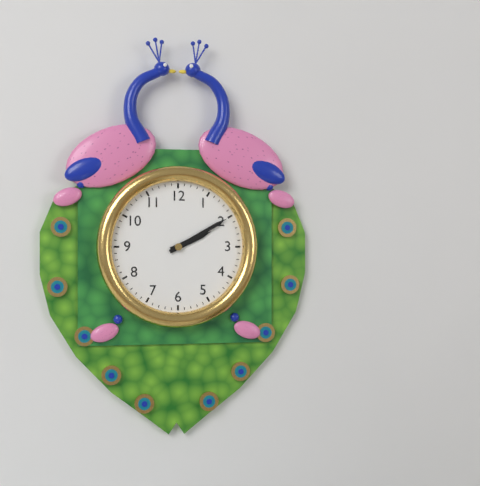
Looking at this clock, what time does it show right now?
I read 2:10
